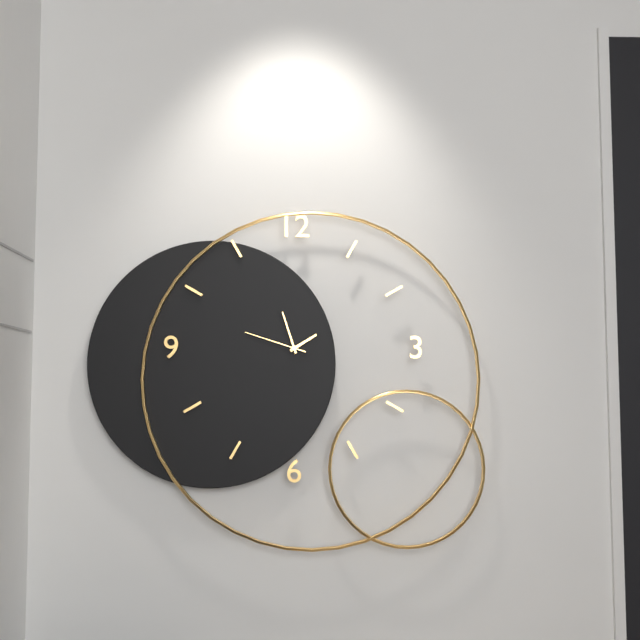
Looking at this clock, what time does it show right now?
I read 1:57:48
